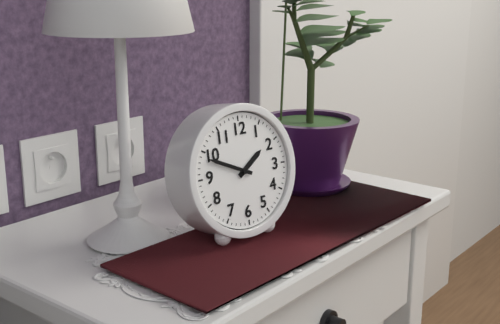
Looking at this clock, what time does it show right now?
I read 1:49
